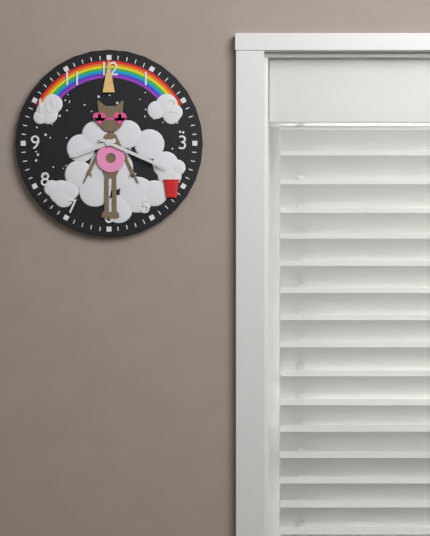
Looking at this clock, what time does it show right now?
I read 8:19
